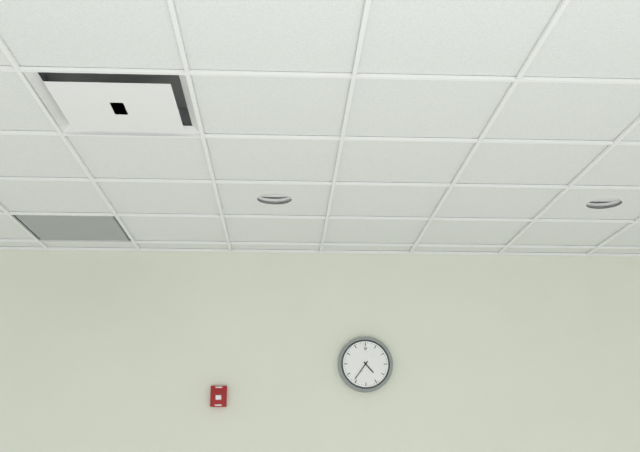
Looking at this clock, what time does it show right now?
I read 4:36
